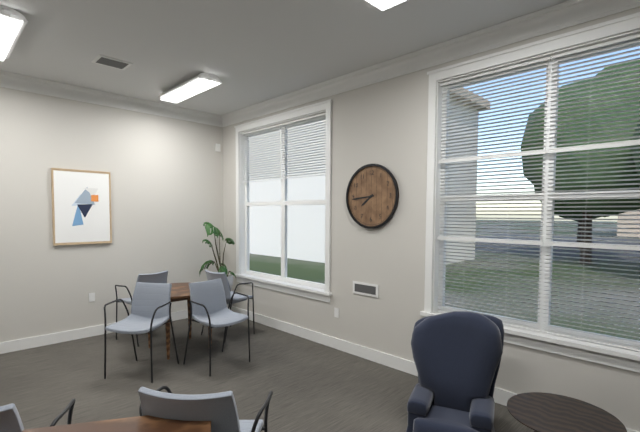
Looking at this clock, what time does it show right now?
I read 7:44
